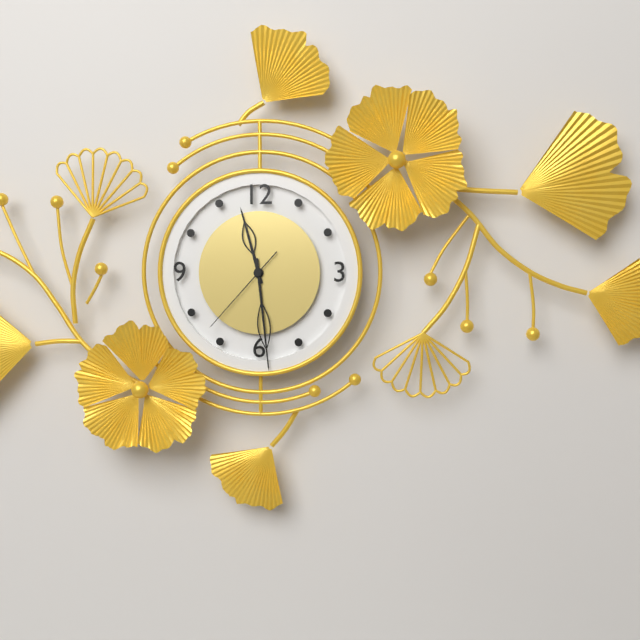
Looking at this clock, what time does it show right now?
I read 11:29:37
